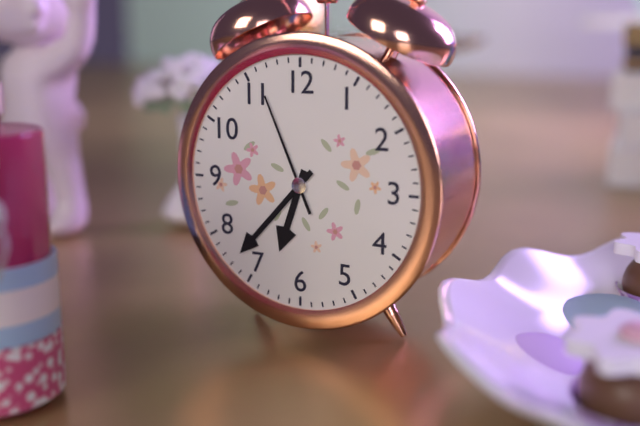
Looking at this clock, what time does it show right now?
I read 6:37:56
